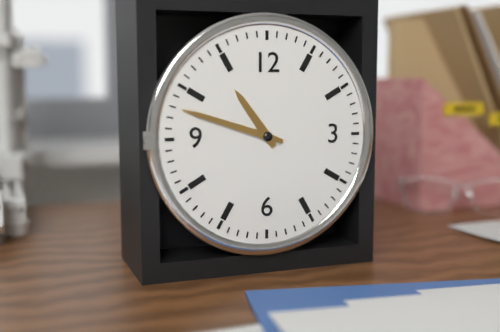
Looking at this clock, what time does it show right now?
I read 10:48
